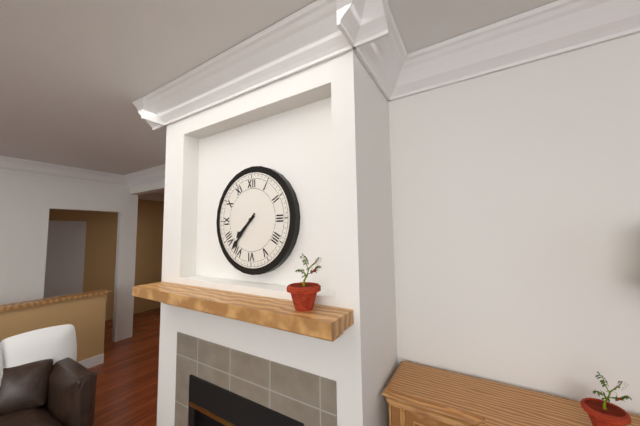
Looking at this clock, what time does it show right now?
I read 7:37
